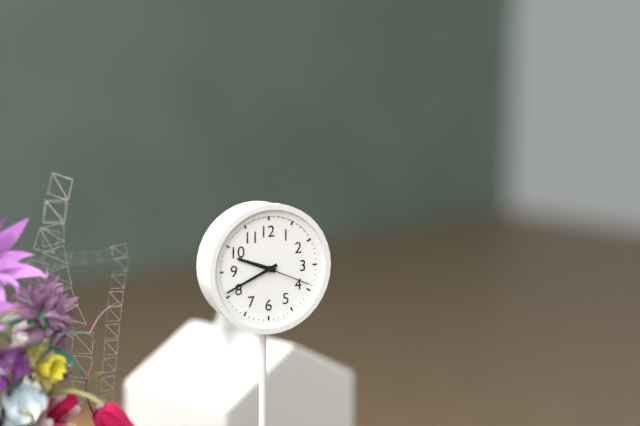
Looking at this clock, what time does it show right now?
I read 9:41:19
